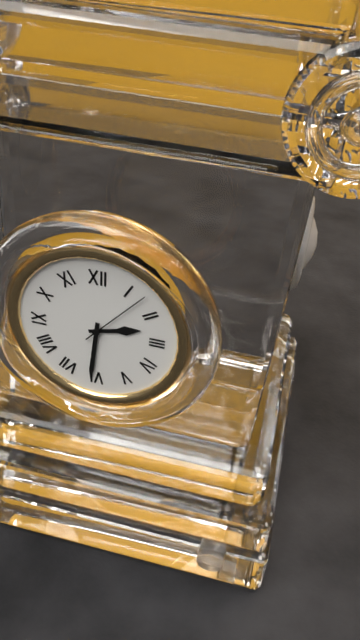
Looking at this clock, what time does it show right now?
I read 2:31:07
